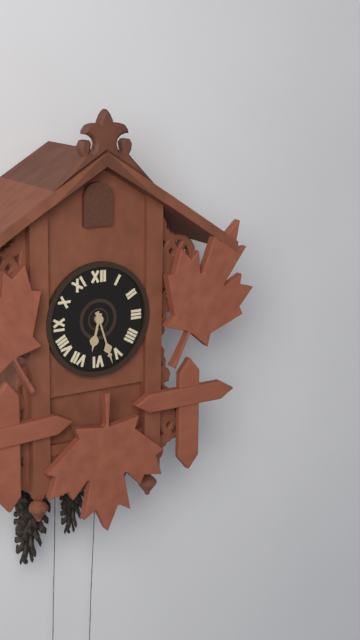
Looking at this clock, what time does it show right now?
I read 6:27
